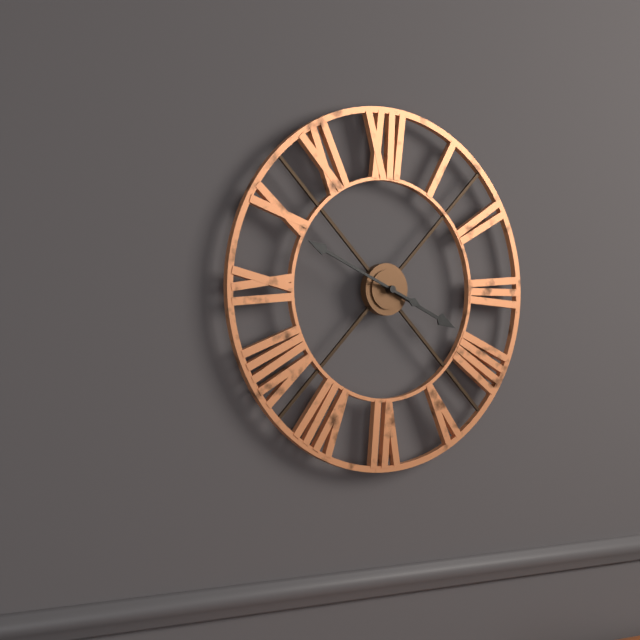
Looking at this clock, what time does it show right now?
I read 3:49
